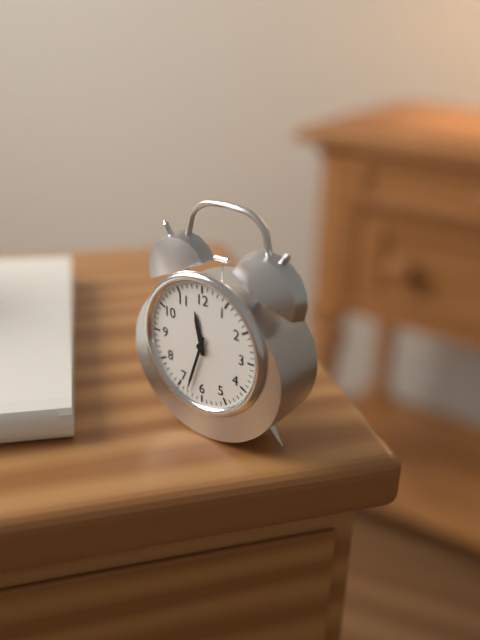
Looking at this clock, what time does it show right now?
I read 11:33
